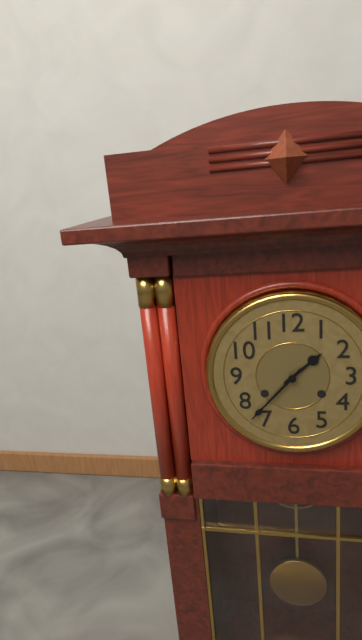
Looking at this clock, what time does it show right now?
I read 1:37
